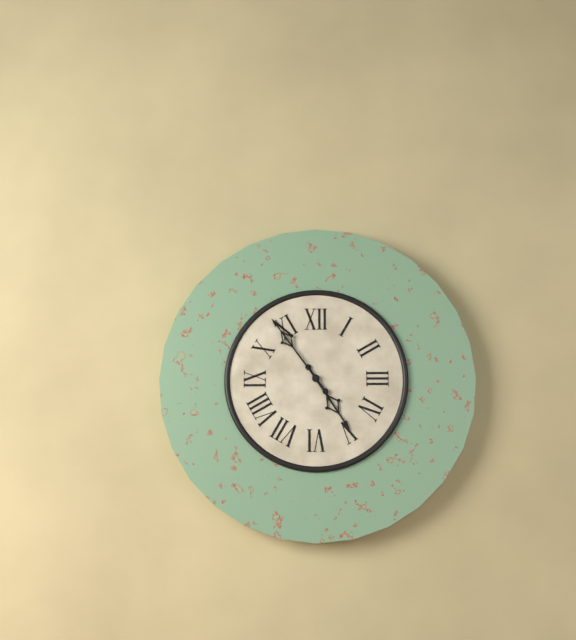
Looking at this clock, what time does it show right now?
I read 4:54
